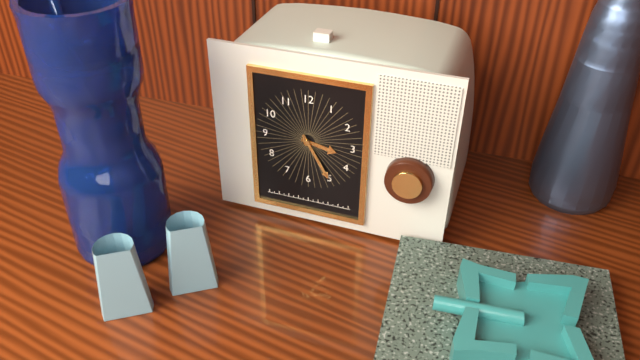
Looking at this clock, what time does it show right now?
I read 3:25
